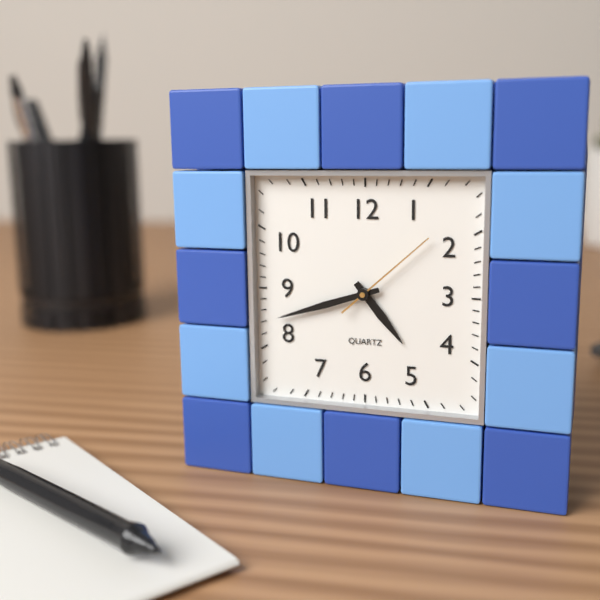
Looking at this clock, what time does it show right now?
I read 4:42:08
